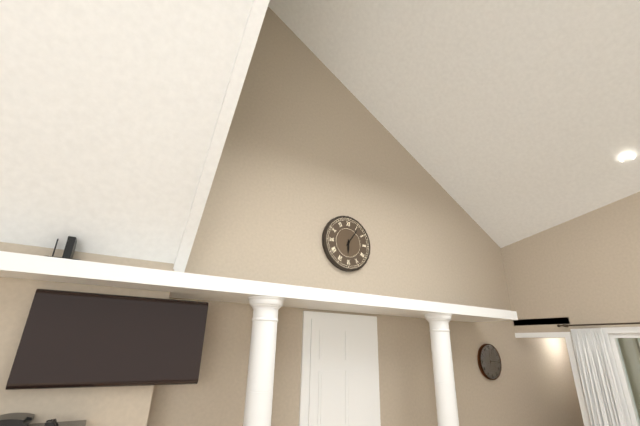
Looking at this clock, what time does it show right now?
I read 6:06
